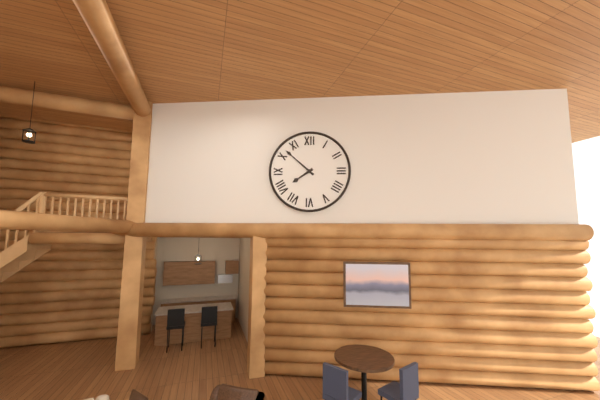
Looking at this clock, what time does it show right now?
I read 7:52
